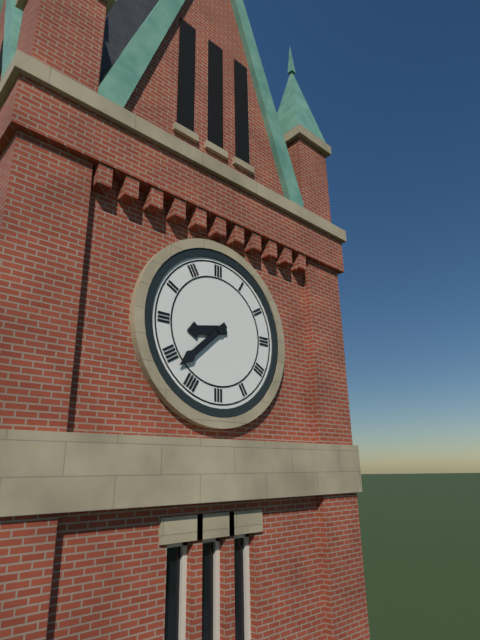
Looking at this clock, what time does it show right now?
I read 8:38
